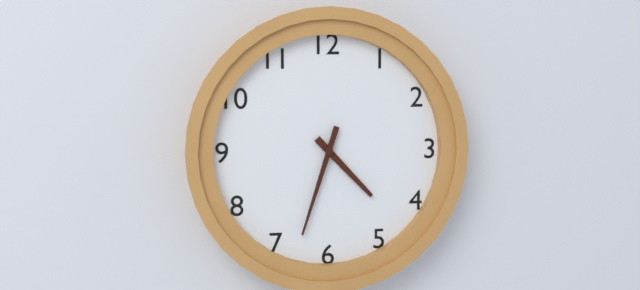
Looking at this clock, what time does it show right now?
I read 4:33
